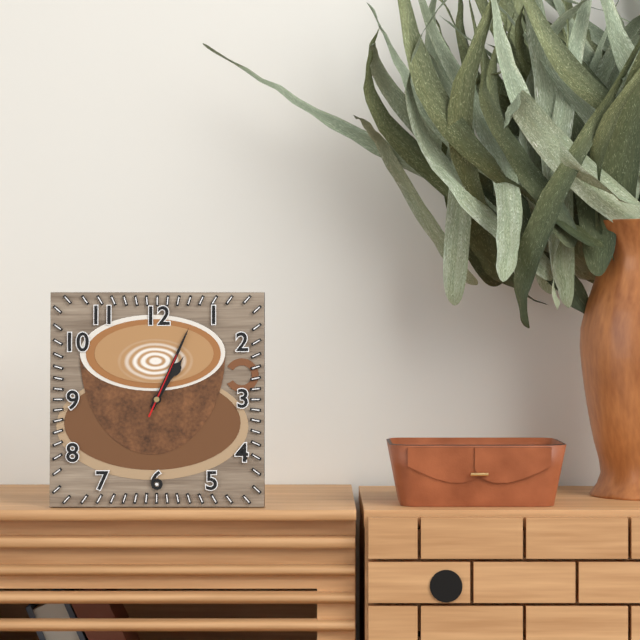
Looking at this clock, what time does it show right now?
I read 1:04:04
